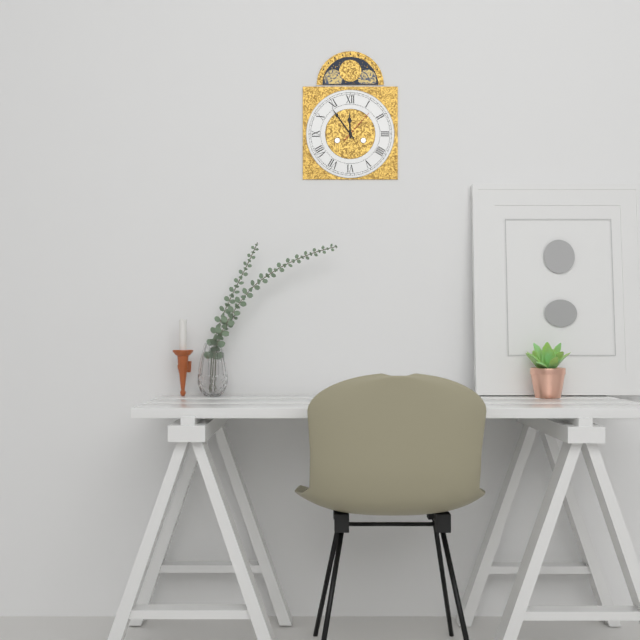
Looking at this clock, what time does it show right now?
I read 11:54
